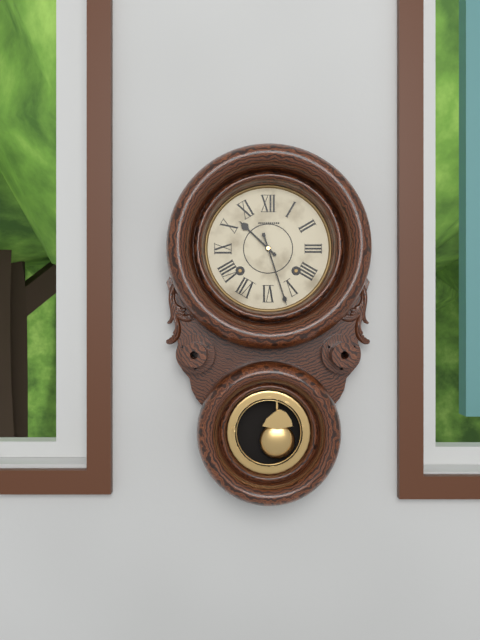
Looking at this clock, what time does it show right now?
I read 10:27
